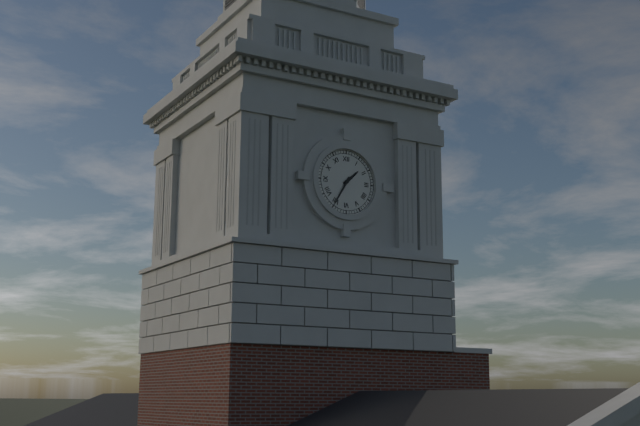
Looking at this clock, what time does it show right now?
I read 1:35
